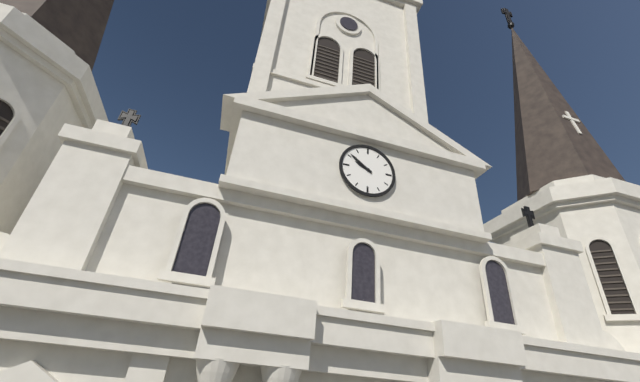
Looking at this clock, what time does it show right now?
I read 9:51
